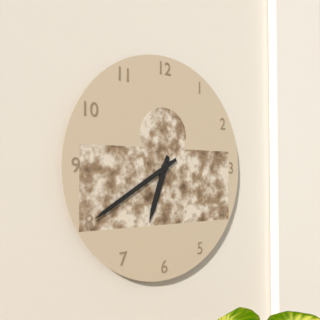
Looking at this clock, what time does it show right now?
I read 6:40
